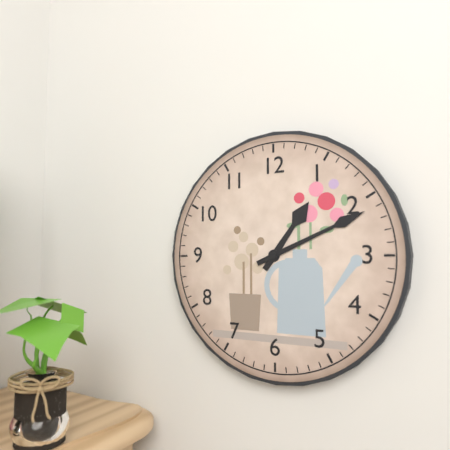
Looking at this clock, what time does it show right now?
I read 1:11
